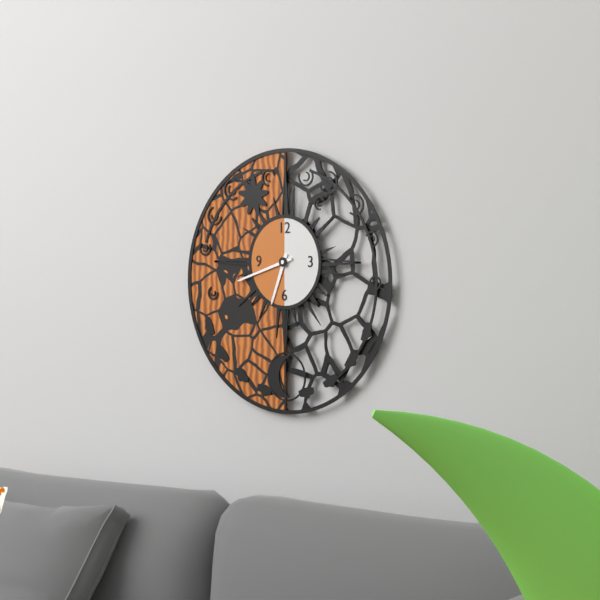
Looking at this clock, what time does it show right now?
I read 6:42
